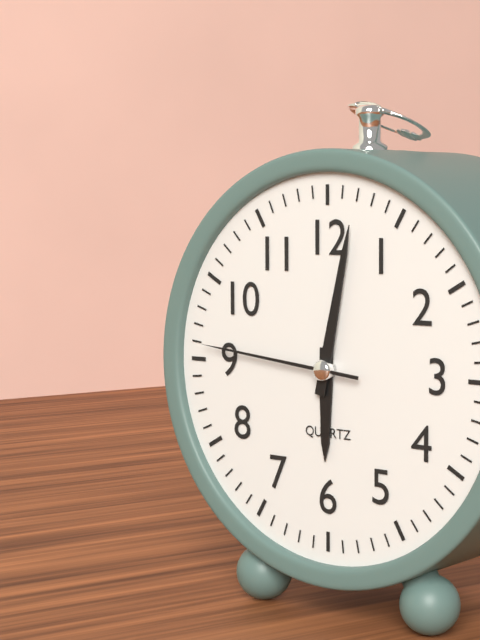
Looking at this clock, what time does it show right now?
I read 6:02:46
